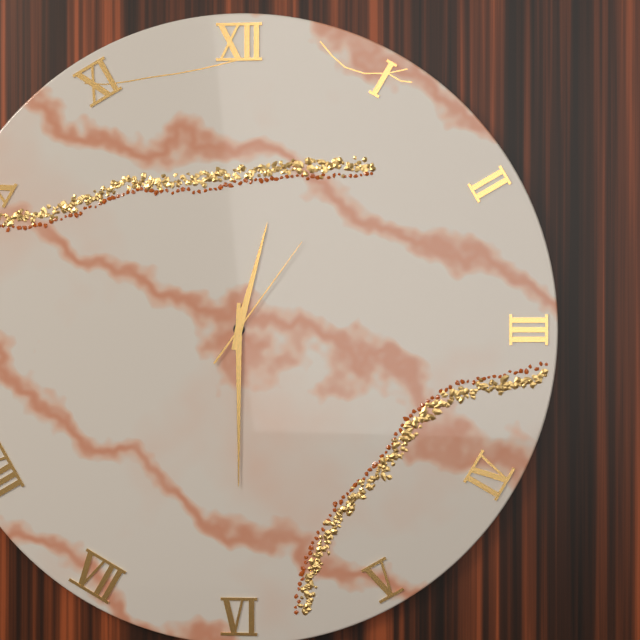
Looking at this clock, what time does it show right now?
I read 12:30:06
